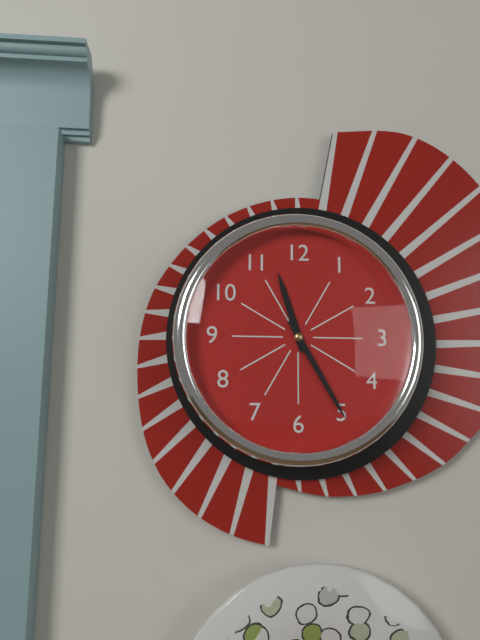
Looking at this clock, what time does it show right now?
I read 11:25
